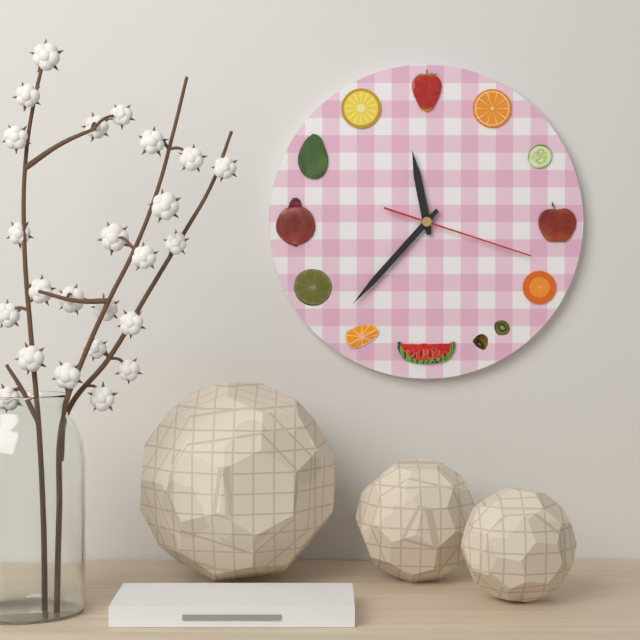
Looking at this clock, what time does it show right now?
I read 11:37:18
